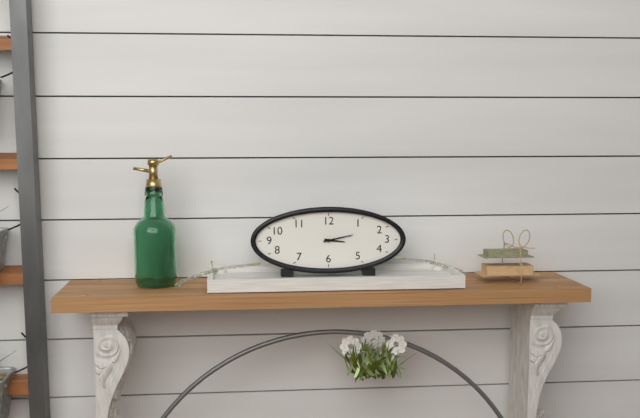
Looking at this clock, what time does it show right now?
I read 3:13
